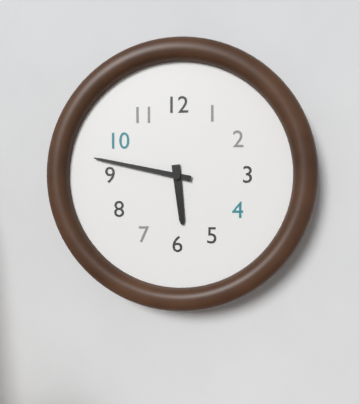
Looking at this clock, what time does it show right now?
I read 5:47
